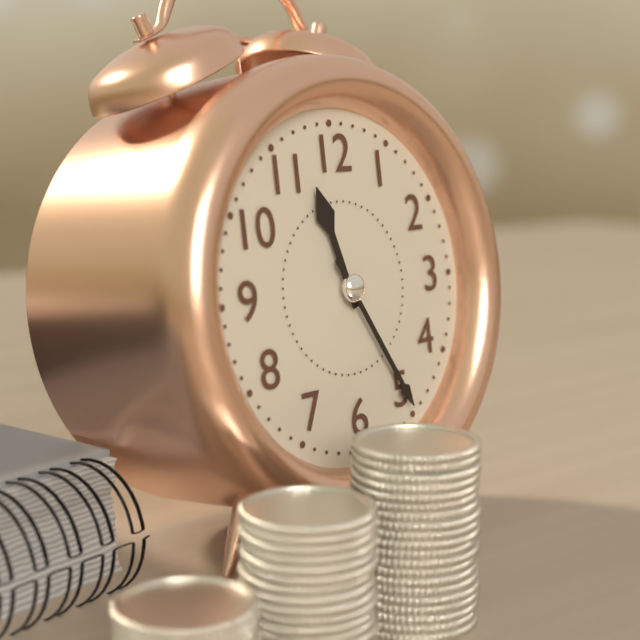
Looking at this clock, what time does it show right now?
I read 11:25
